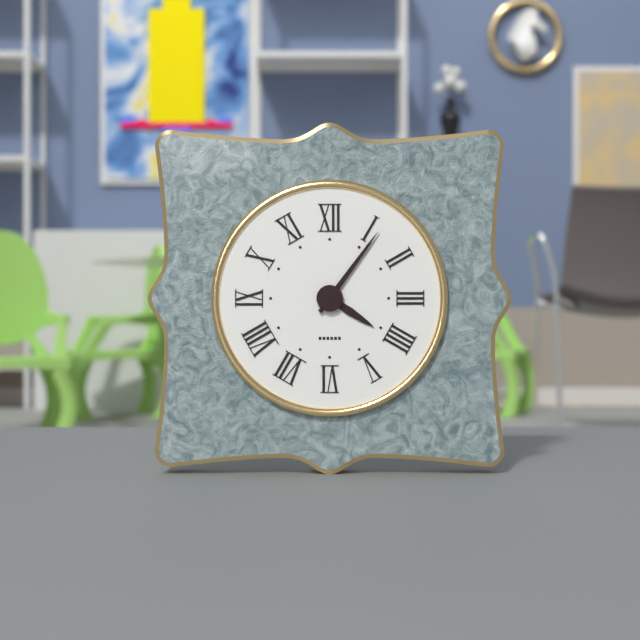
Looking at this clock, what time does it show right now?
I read 4:06
